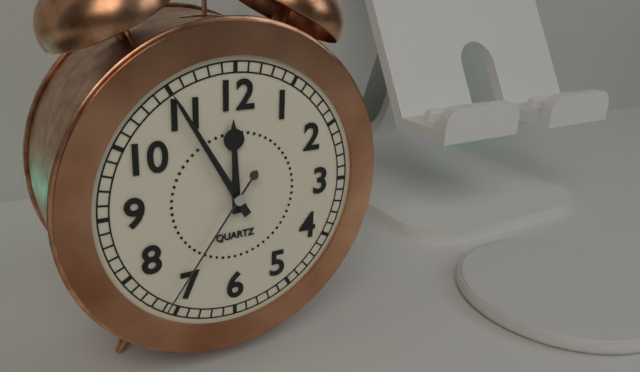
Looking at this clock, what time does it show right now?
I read 11:55:36
